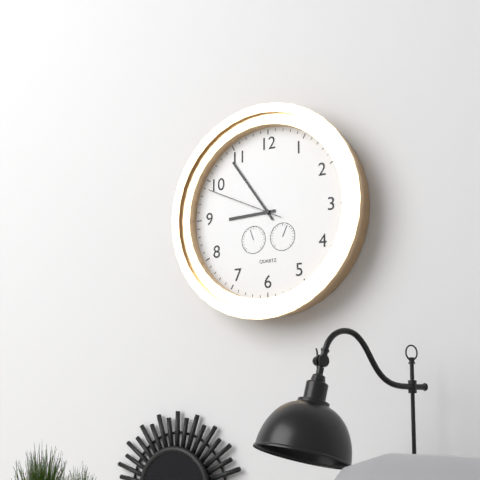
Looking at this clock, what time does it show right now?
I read 8:54:49
